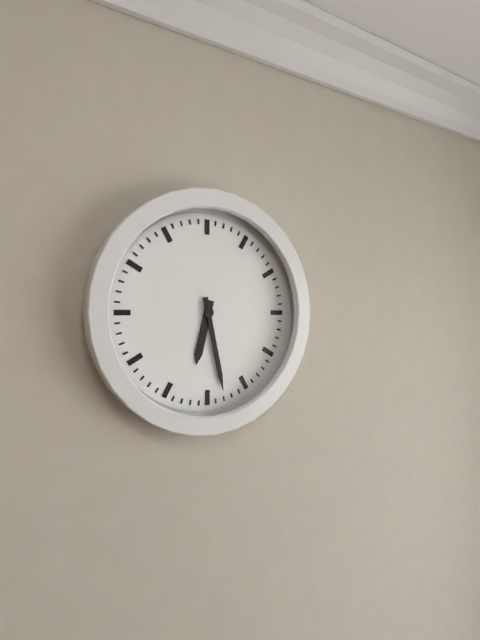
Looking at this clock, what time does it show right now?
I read 6:28
